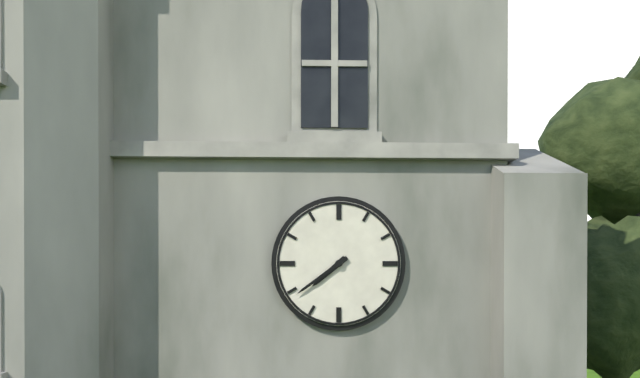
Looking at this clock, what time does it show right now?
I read 7:39
